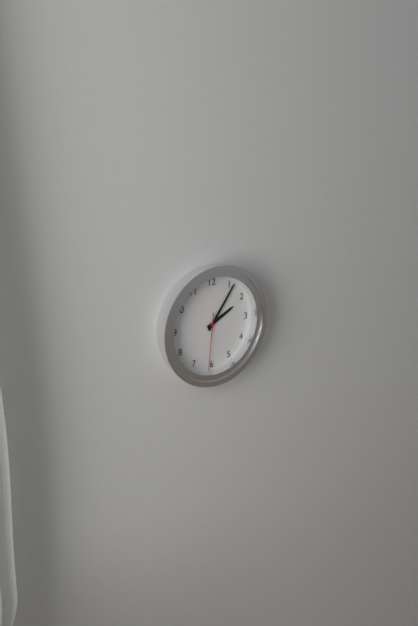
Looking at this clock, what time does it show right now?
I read 2:06:31
